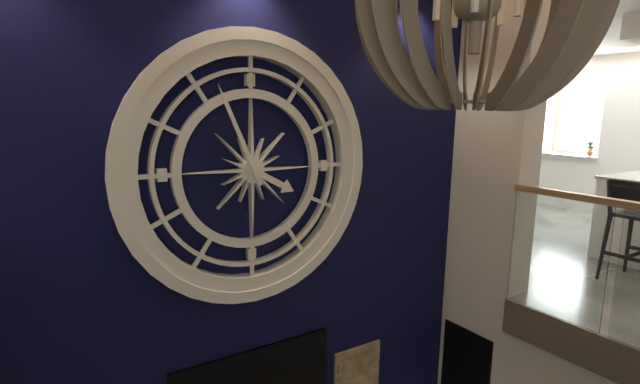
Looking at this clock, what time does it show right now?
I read 3:56
